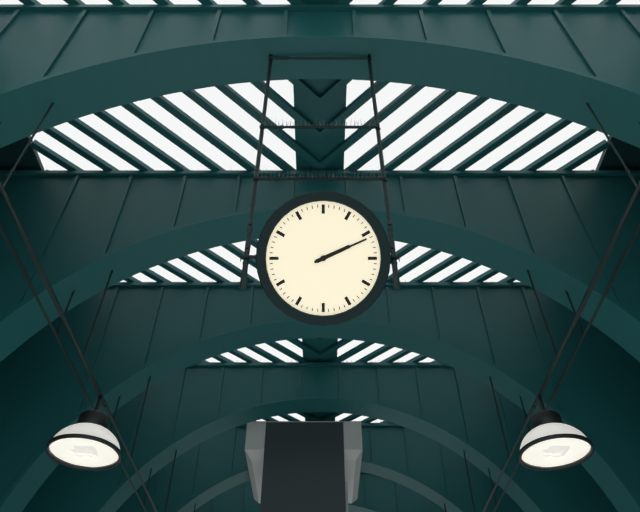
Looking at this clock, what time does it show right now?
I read 2:11
